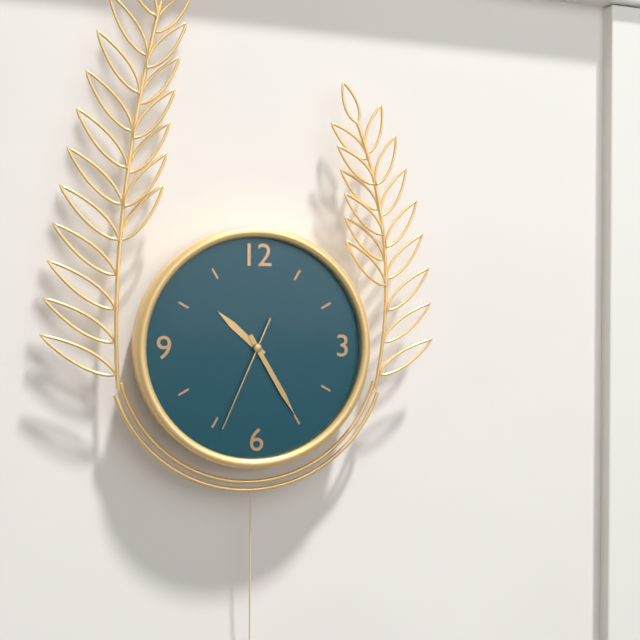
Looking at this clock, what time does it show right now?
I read 10:25:34
